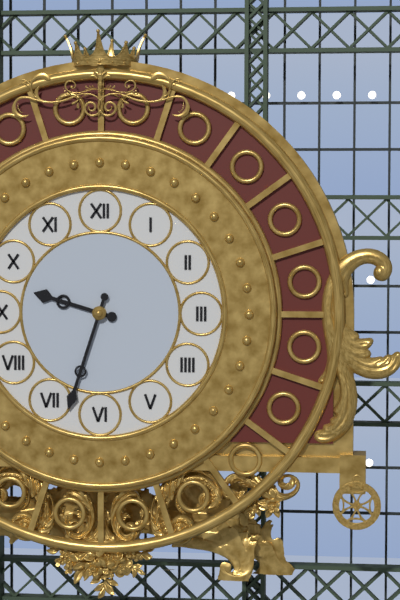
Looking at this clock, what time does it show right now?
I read 9:33
